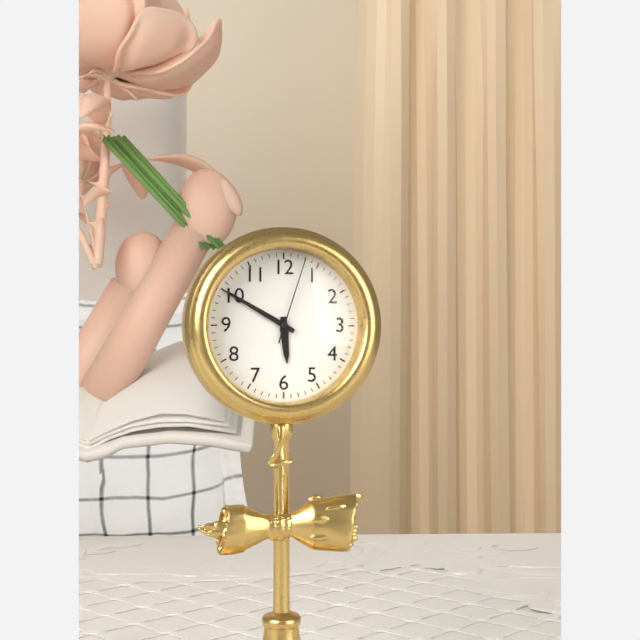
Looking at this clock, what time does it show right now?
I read 5:50:03
